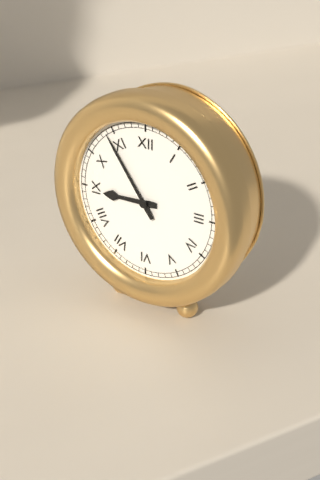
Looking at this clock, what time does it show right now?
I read 8:54
